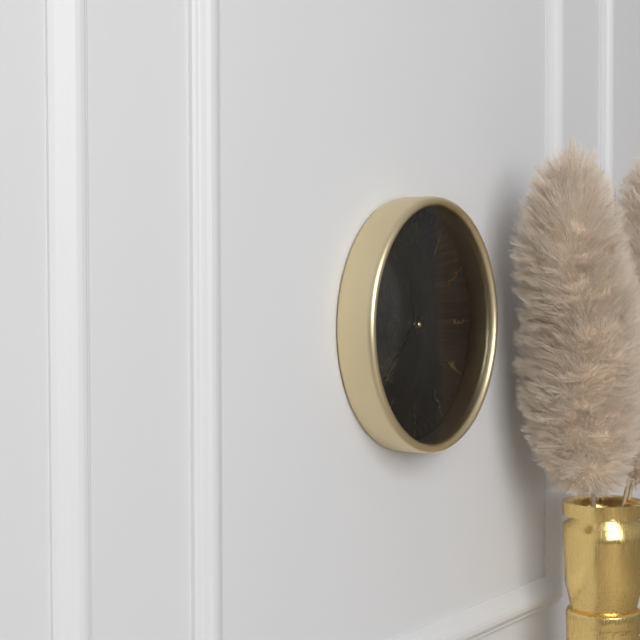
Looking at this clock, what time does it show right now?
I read 11:38:40
